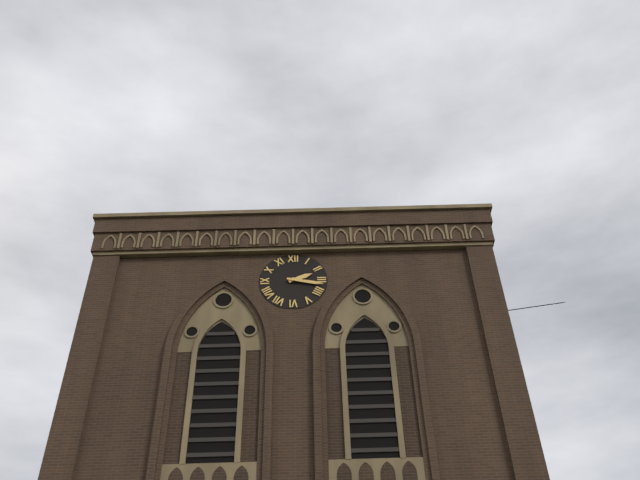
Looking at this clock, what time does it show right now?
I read 2:17
